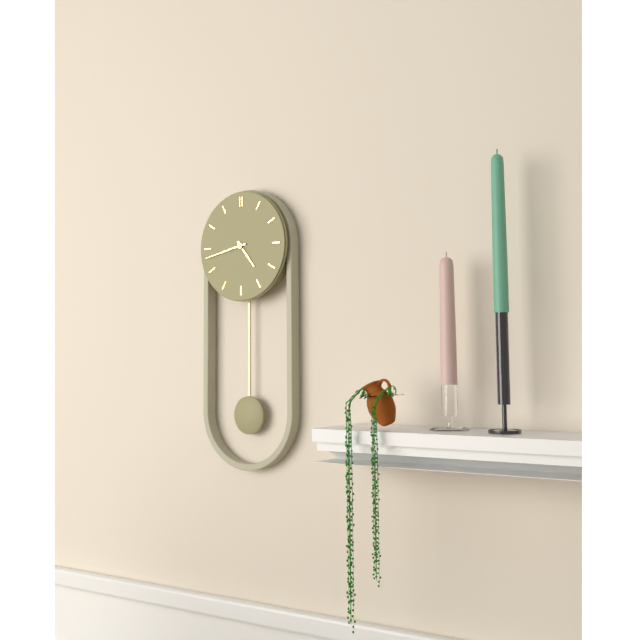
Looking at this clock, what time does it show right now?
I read 4:43
